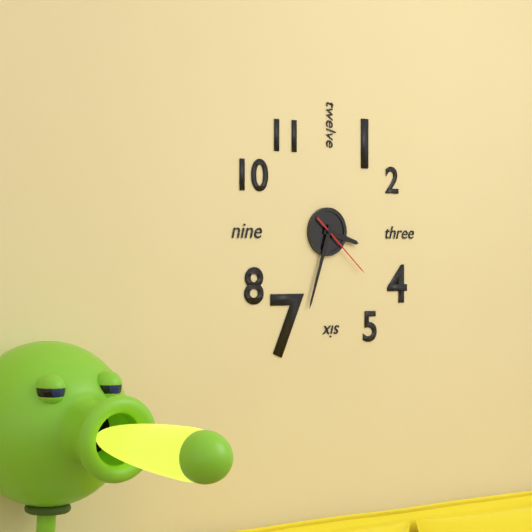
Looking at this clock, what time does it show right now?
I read 3:33:22
